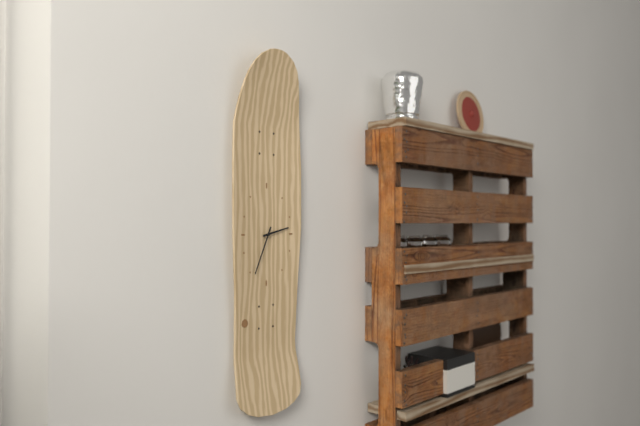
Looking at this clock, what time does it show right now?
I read 2:34
